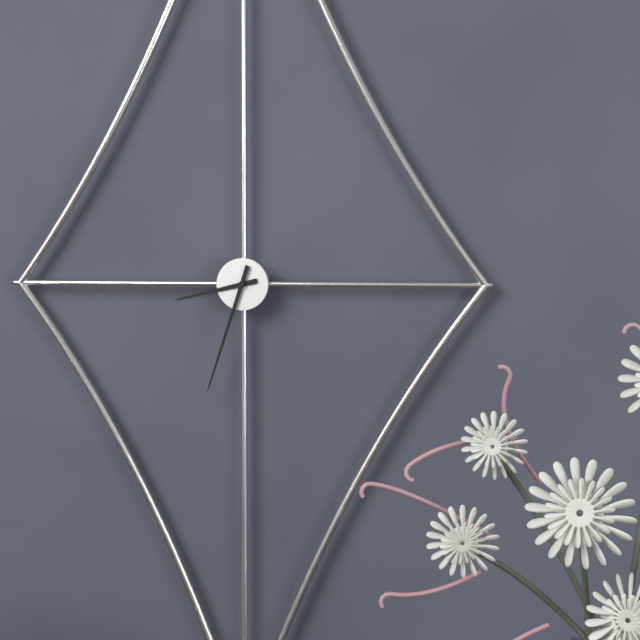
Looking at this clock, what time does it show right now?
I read 8:33
